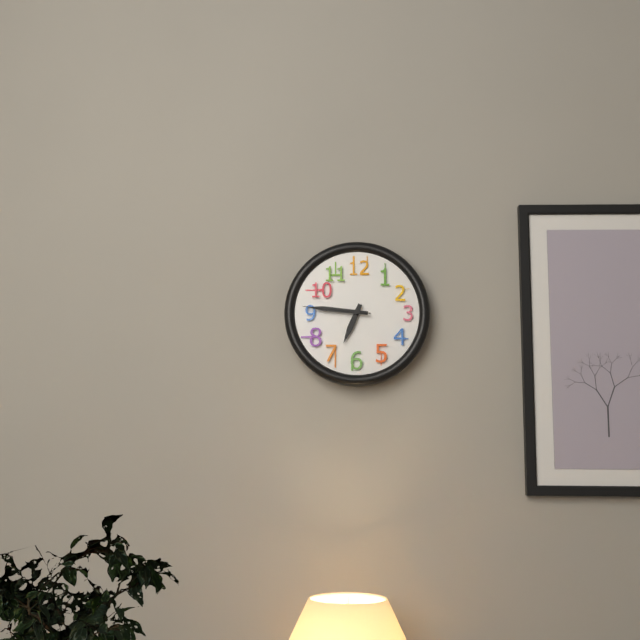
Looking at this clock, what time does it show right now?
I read 6:46:46
